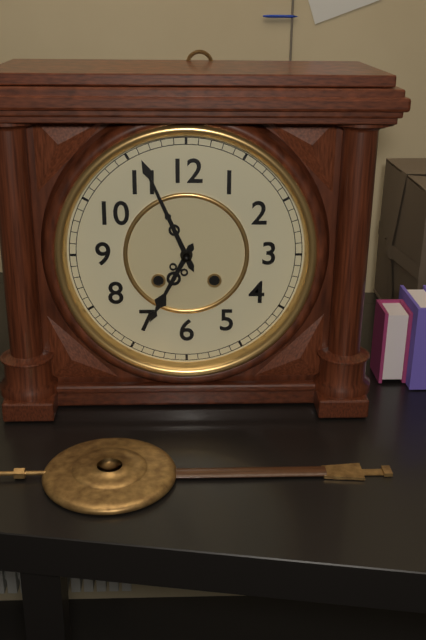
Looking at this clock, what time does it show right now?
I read 6:56
